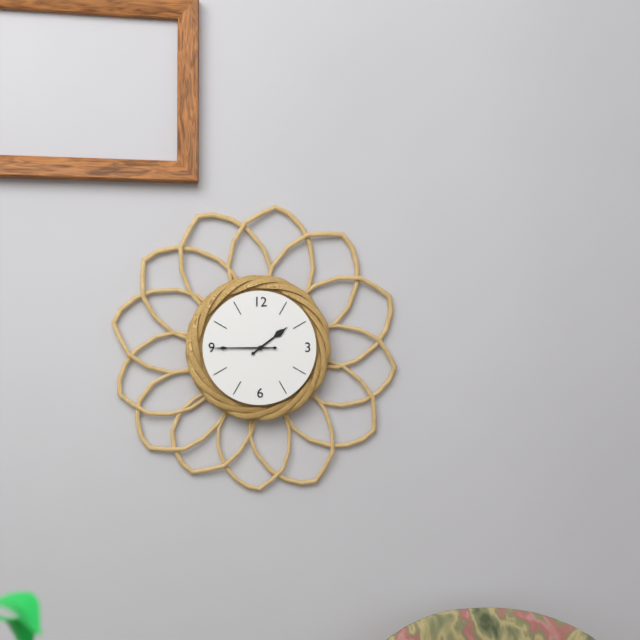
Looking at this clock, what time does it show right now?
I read 1:45
